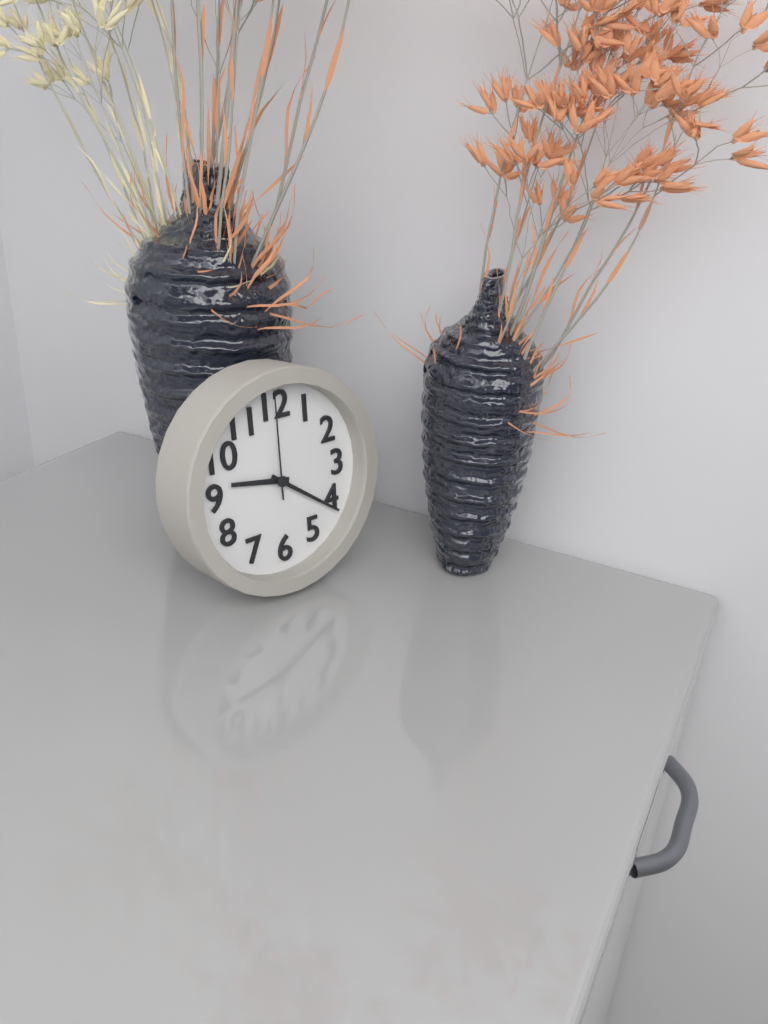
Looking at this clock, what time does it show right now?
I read 9:21:00
